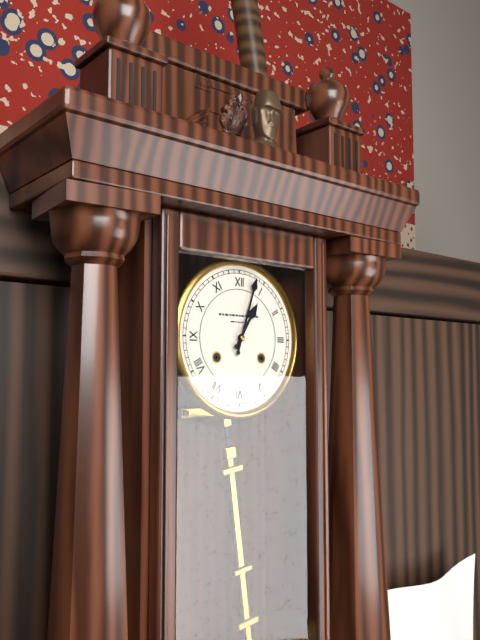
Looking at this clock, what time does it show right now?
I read 1:03
